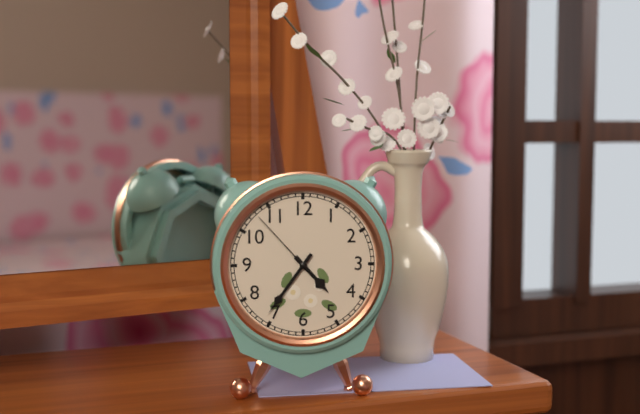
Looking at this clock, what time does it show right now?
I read 4:36:53
